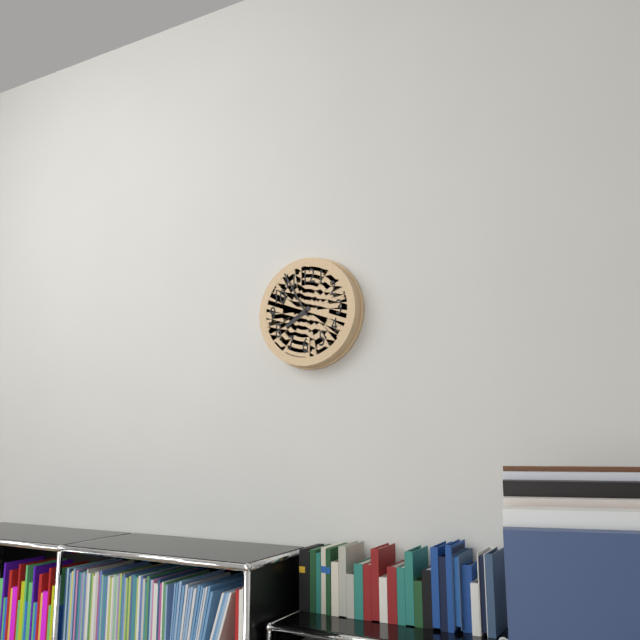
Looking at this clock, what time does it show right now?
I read 7:55
